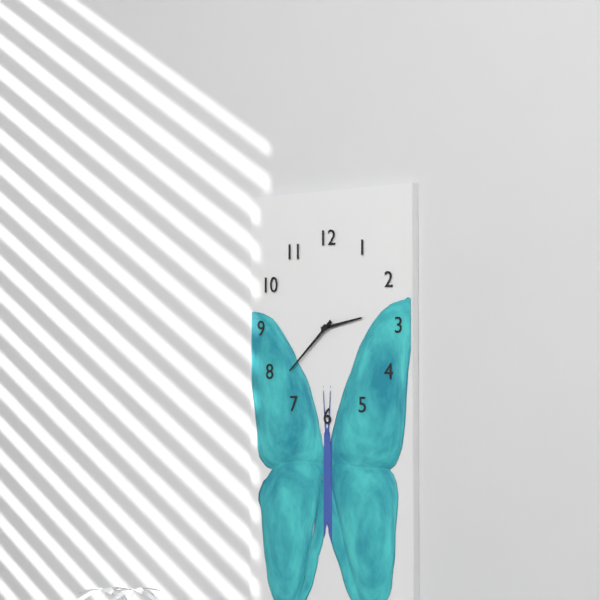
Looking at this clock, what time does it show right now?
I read 2:38
